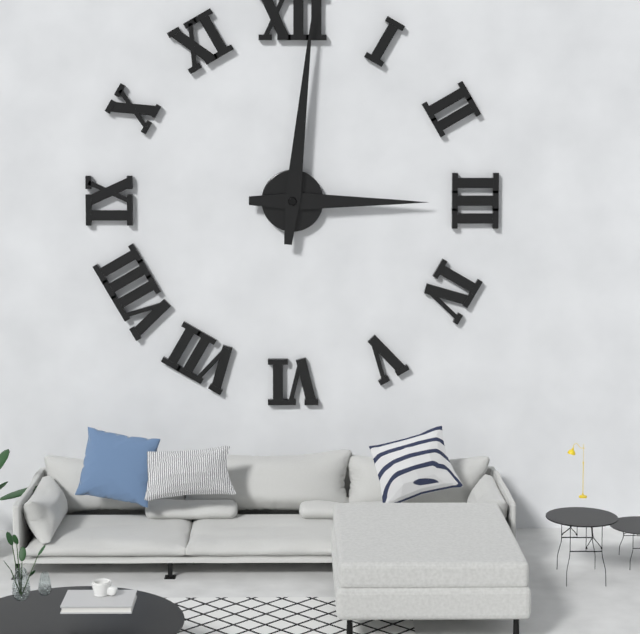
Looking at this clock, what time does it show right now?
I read 3:01
